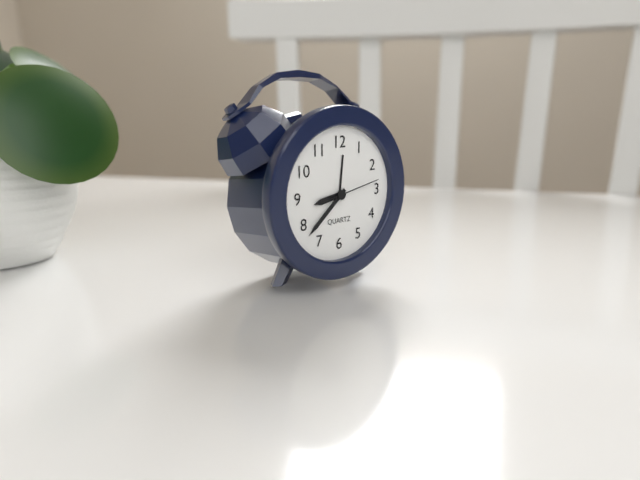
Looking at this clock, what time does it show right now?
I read 8:38
